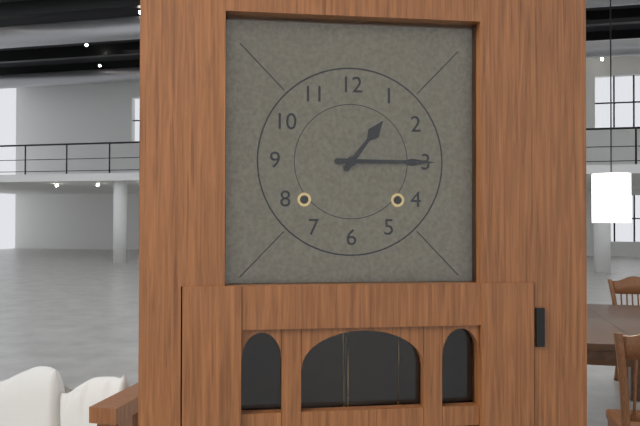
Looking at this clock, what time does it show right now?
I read 1:15
